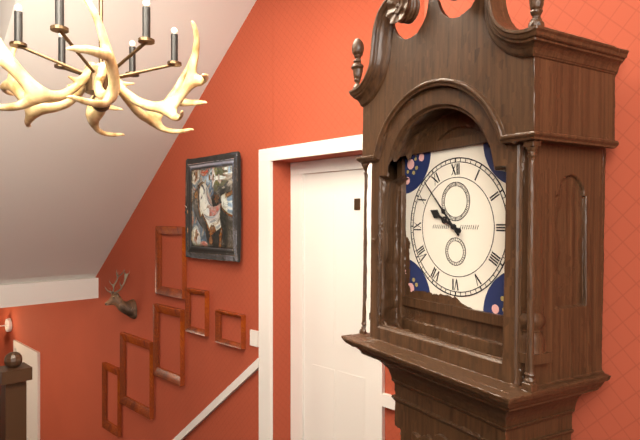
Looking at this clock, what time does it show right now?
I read 9:53
